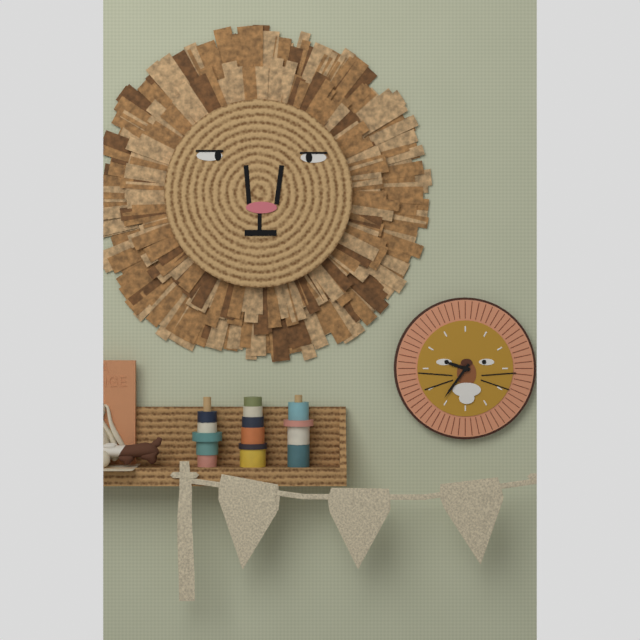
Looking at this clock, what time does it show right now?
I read 9:36
